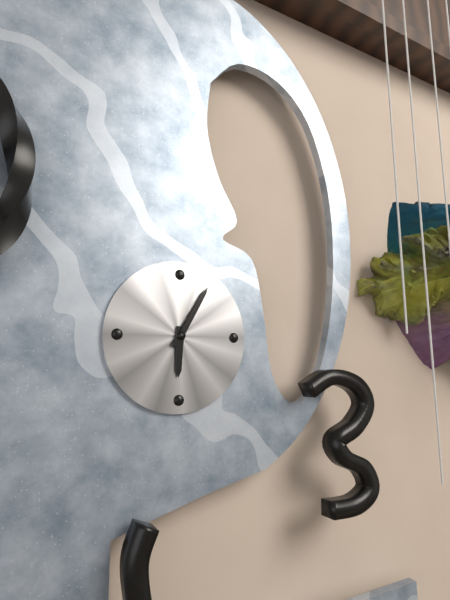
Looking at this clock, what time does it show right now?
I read 6:05
